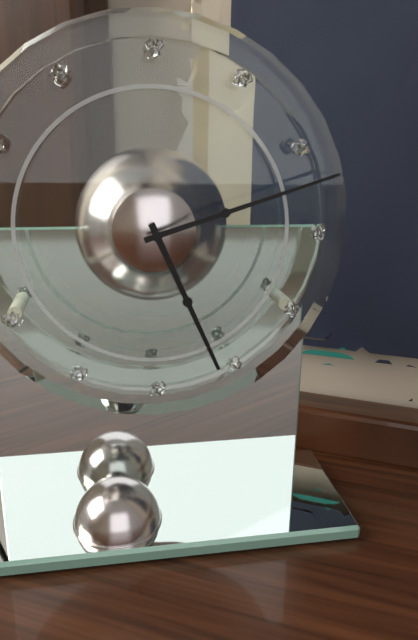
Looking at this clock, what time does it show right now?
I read 5:12
